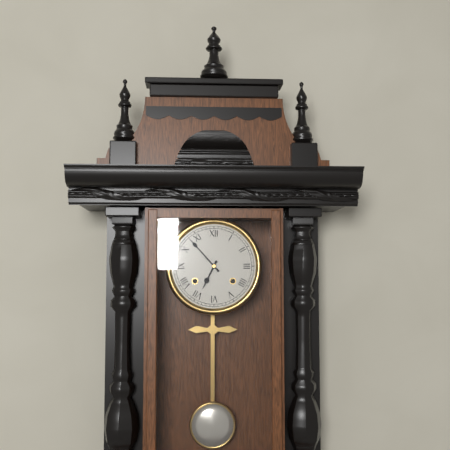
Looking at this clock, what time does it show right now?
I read 6:53
